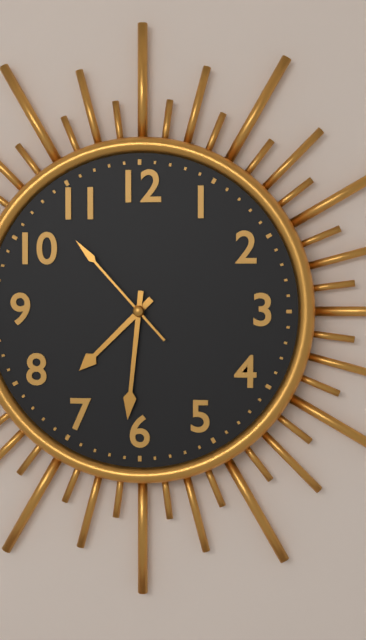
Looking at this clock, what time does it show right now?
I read 7:31:53
